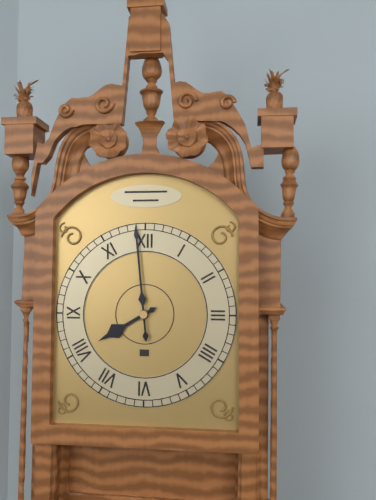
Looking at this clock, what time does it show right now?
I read 7:59
